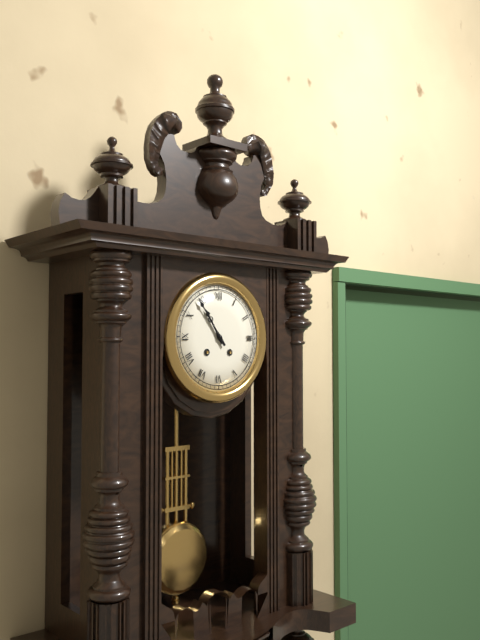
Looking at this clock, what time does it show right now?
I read 10:54
